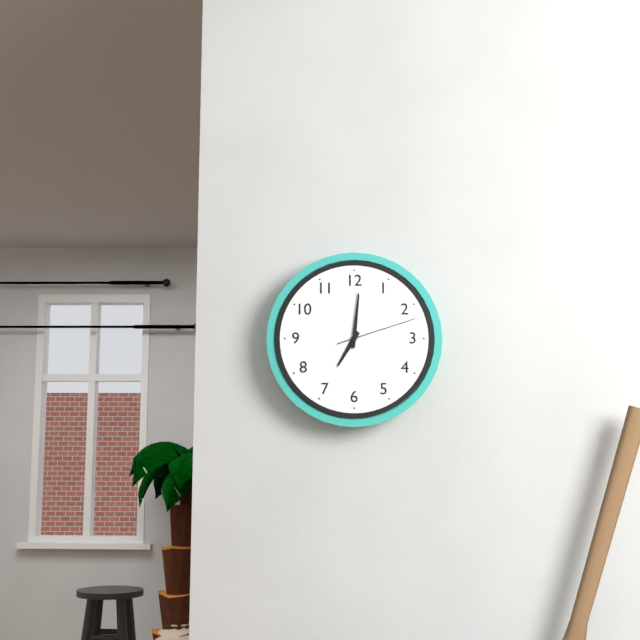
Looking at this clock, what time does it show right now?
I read 7:01:12
